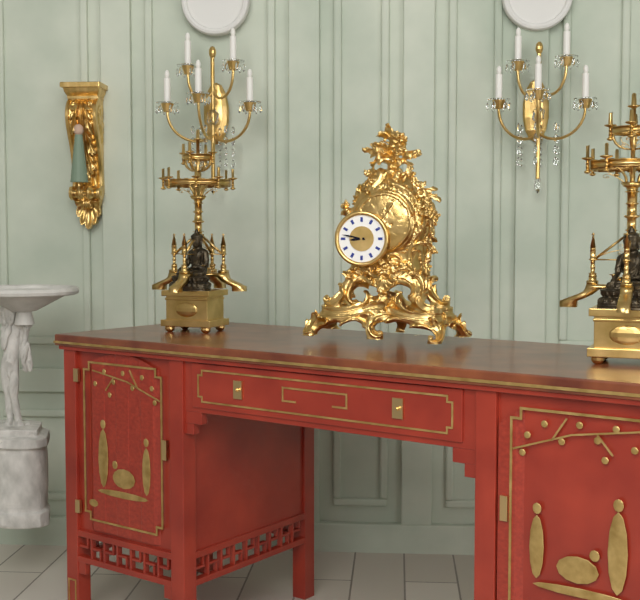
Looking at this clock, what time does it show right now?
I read 8:47
